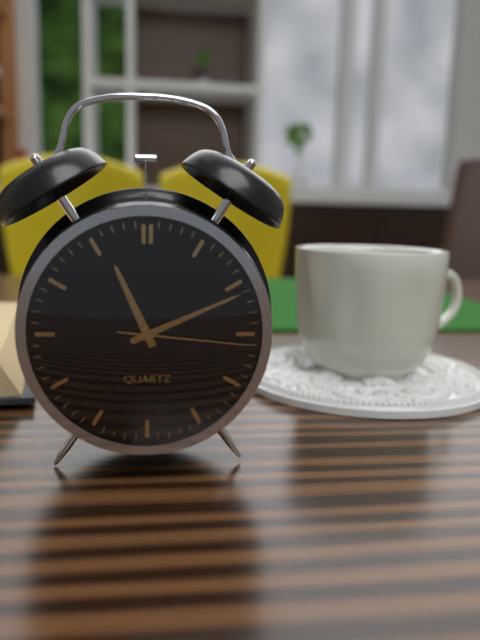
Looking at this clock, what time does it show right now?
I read 11:11:16
